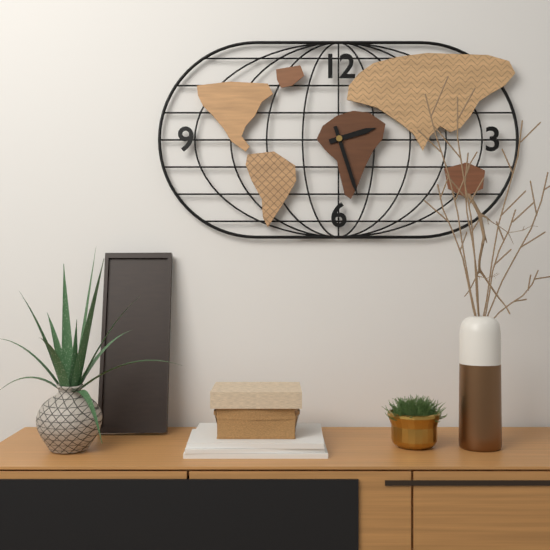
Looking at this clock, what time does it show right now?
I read 2:27
